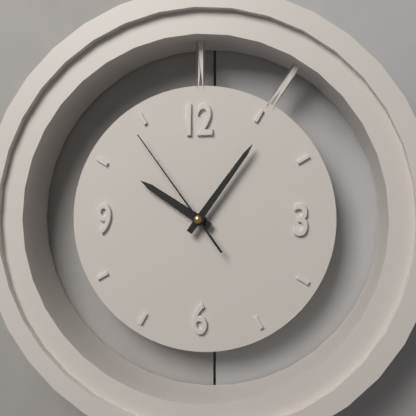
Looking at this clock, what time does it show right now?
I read 10:06:54
